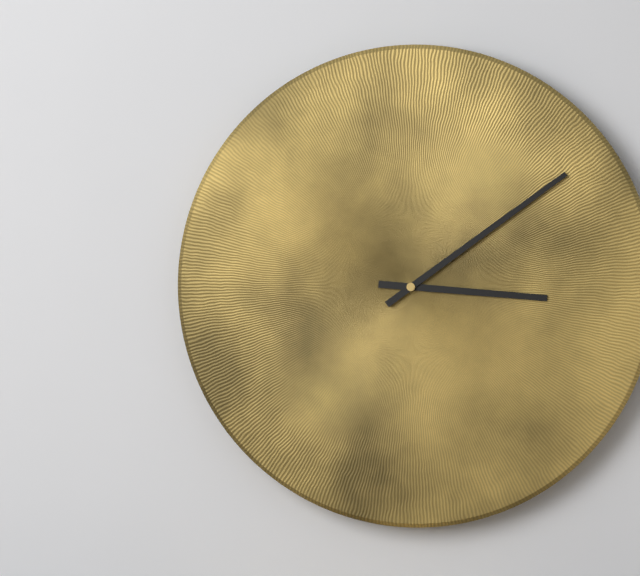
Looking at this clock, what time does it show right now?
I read 3:09
